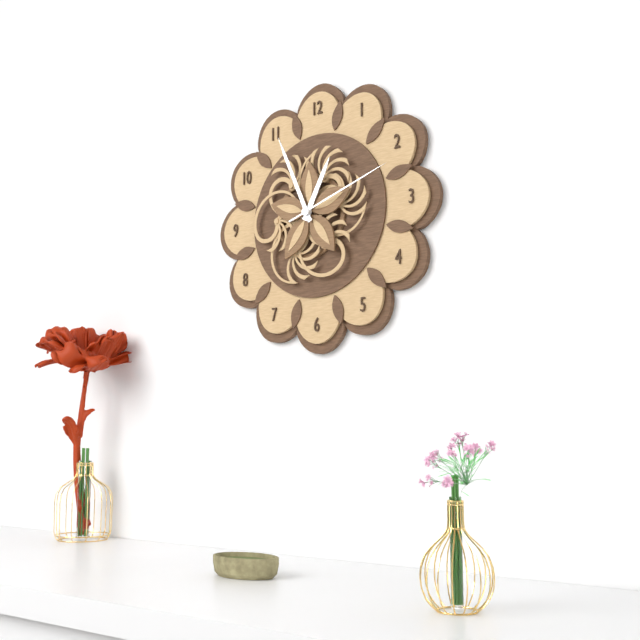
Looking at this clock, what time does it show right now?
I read 12:56:12
